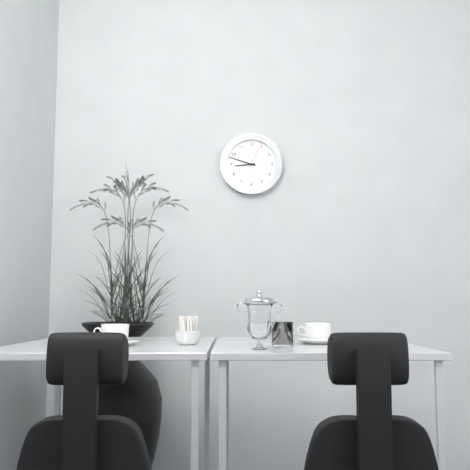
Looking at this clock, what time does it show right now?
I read 8:48
